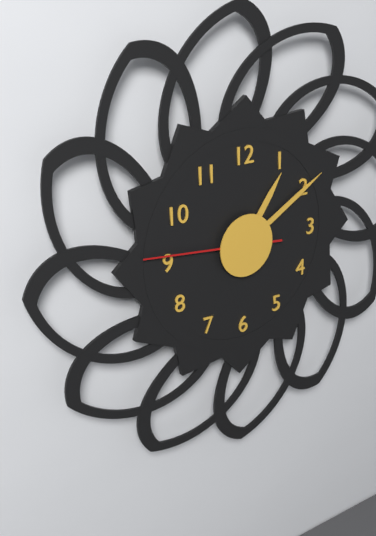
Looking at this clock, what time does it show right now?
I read 1:10:46
